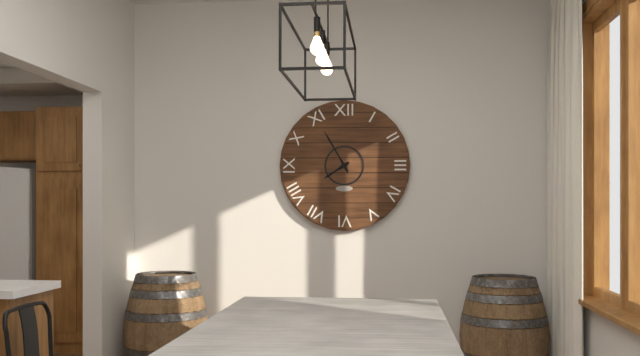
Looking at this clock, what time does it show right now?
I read 7:55
